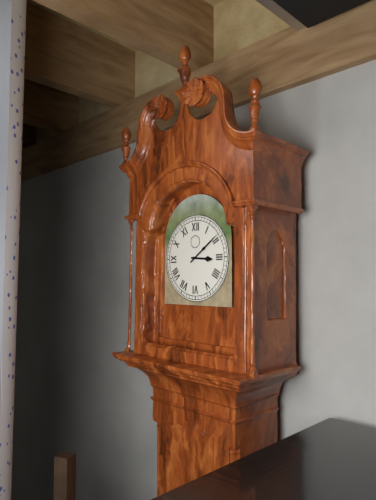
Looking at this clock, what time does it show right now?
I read 3:09
